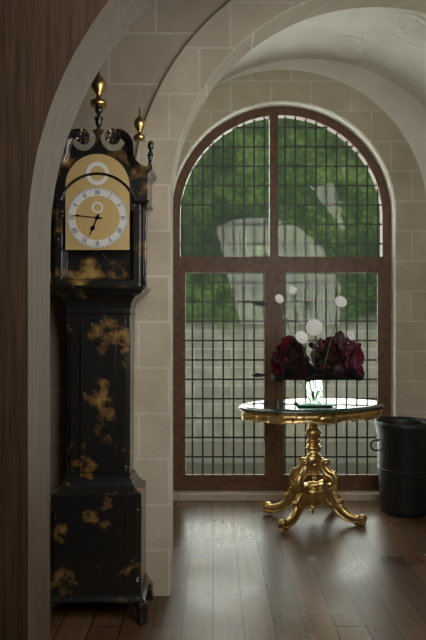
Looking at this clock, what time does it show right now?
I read 6:46
